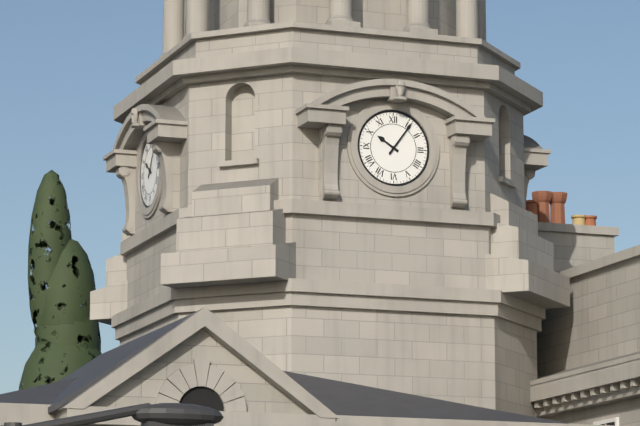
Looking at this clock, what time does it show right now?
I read 10:06
